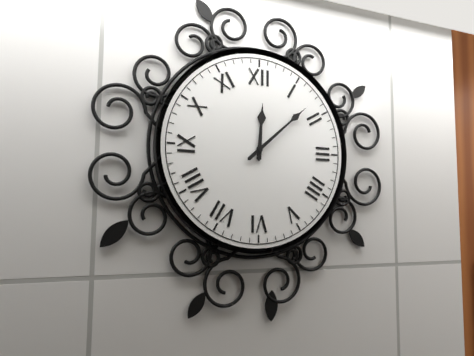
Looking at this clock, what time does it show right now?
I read 12:08
